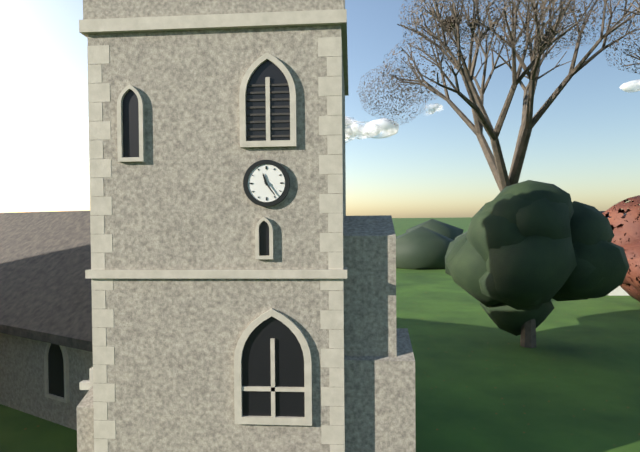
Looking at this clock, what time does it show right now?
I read 11:24
